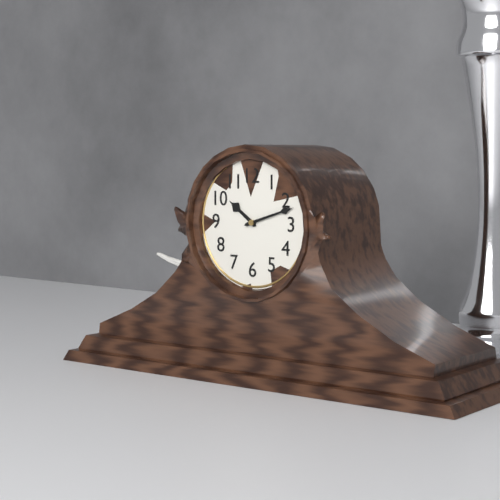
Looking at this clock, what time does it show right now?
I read 10:12
